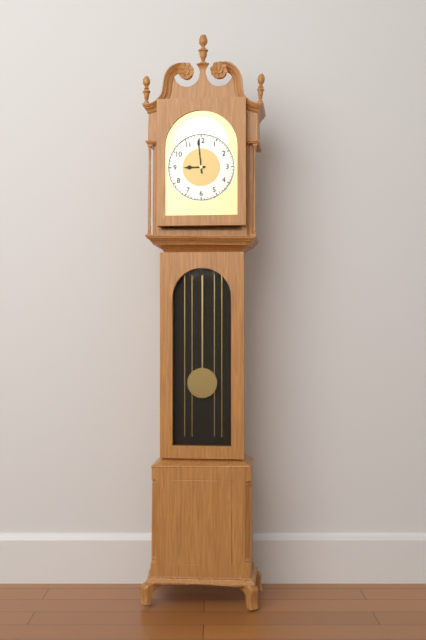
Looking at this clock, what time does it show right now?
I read 8:59
